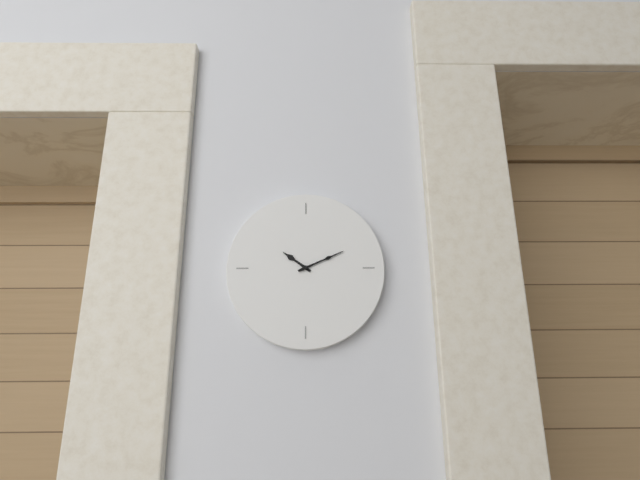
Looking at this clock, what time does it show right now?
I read 10:11
